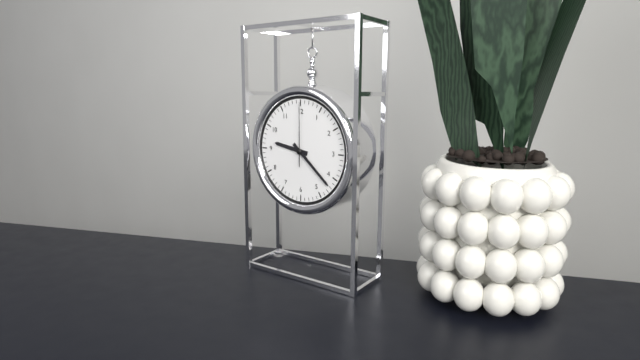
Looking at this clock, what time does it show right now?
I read 9:22:00
